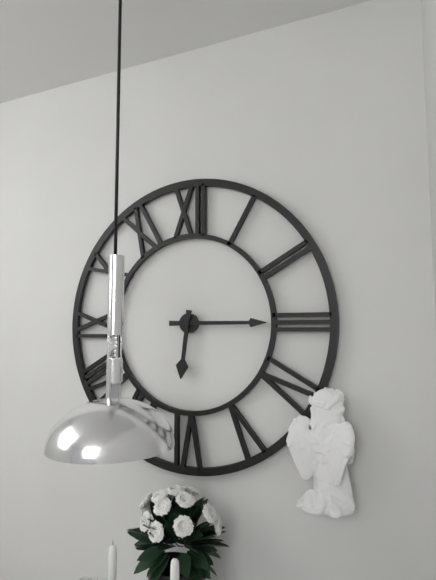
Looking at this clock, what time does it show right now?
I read 6:15
